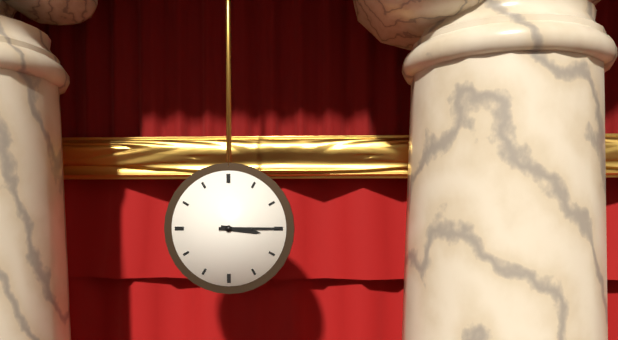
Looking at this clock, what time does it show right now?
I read 3:15
